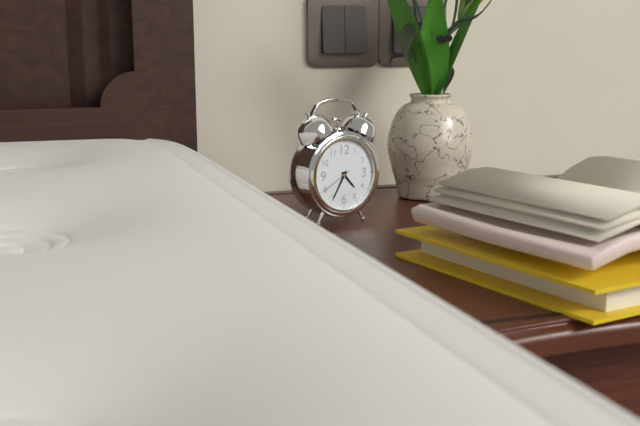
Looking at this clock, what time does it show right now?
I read 4:35
